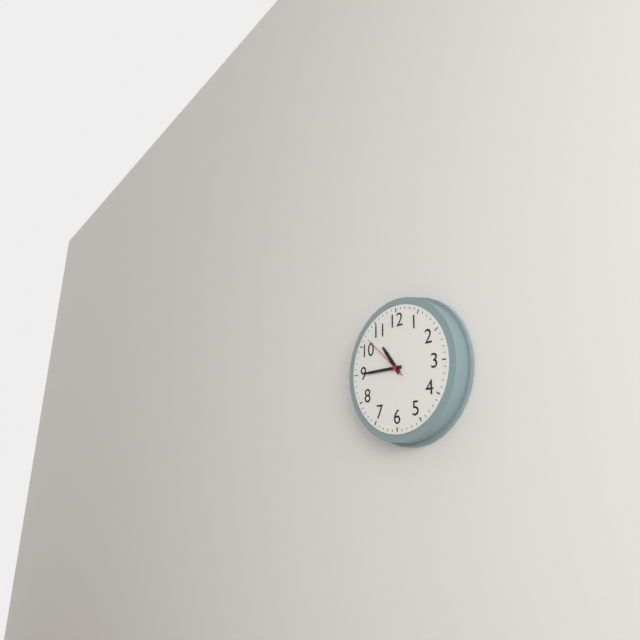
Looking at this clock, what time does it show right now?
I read 10:45
